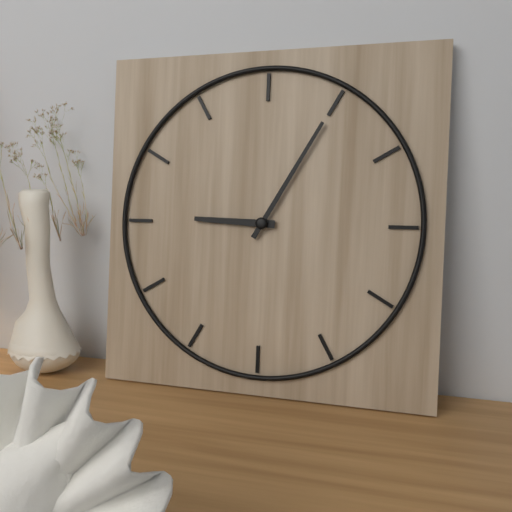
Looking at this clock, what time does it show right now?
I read 9:05
